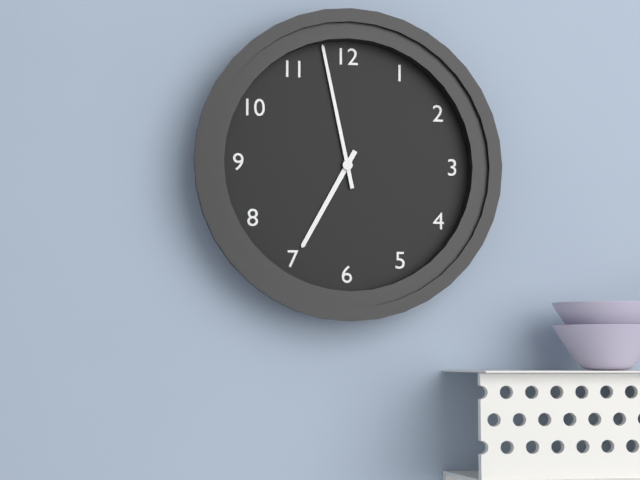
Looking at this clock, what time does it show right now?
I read 6:58
